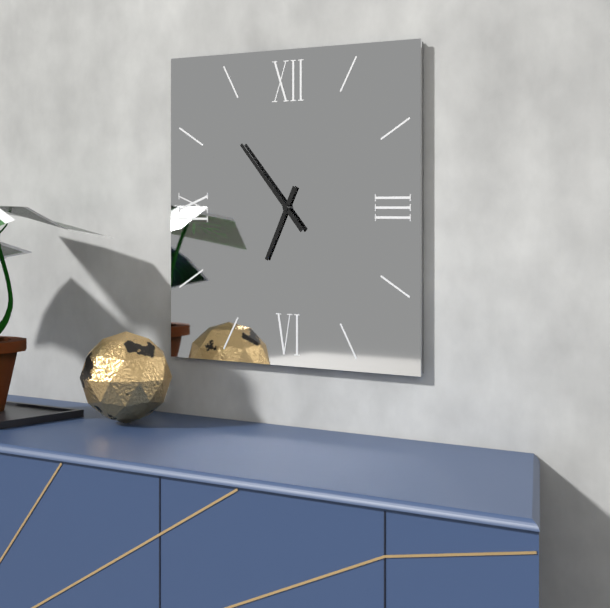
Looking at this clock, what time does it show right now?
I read 6:53
